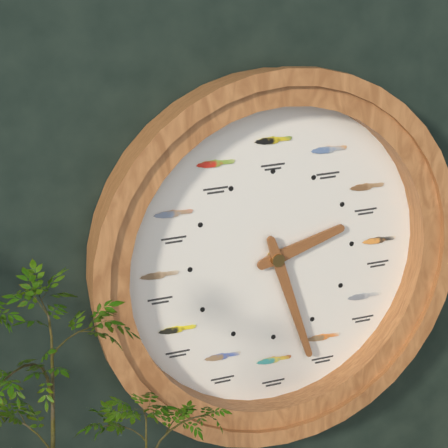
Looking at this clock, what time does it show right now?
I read 2:27
